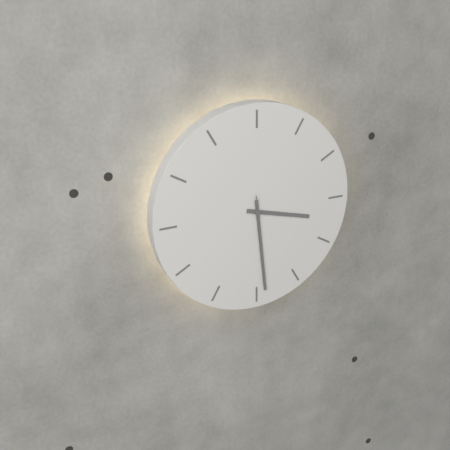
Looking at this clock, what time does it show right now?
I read 3:29:29
